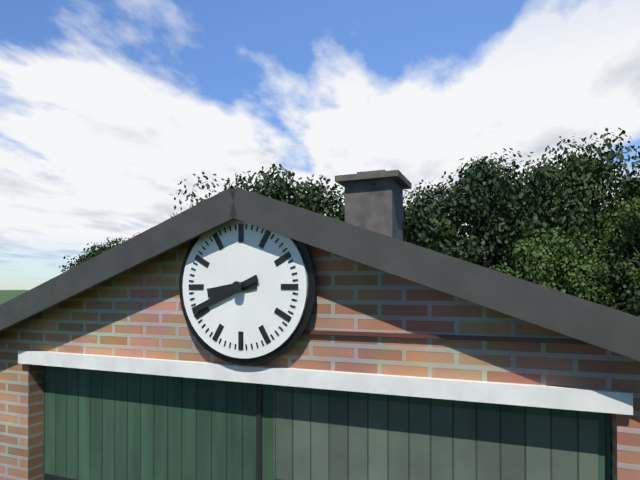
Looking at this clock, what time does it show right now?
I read 8:41
